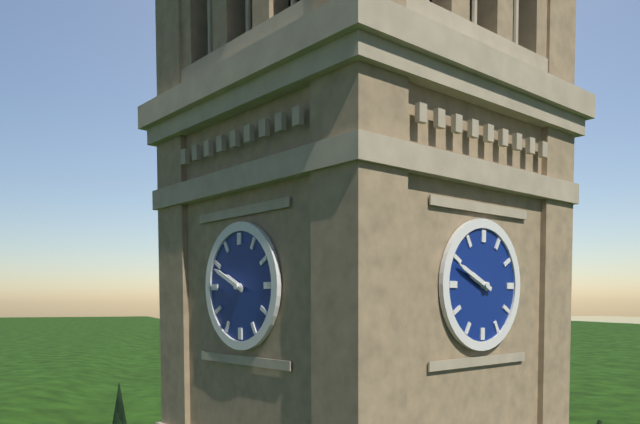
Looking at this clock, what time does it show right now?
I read 9:49
